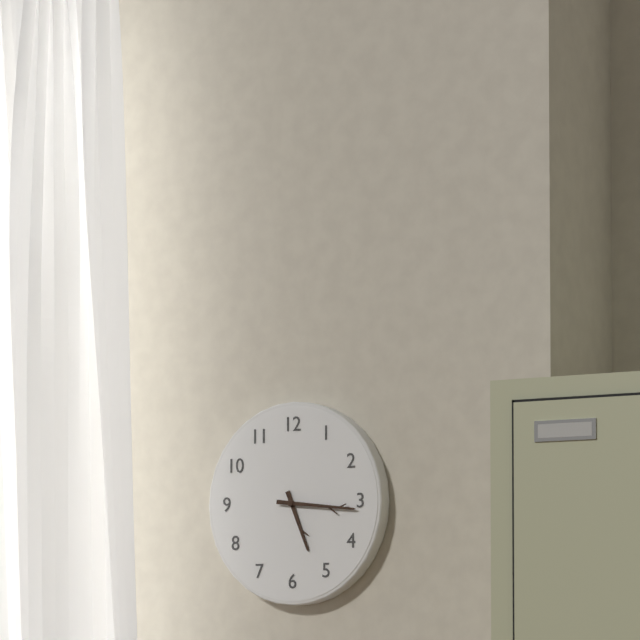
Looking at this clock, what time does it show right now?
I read 5:16
